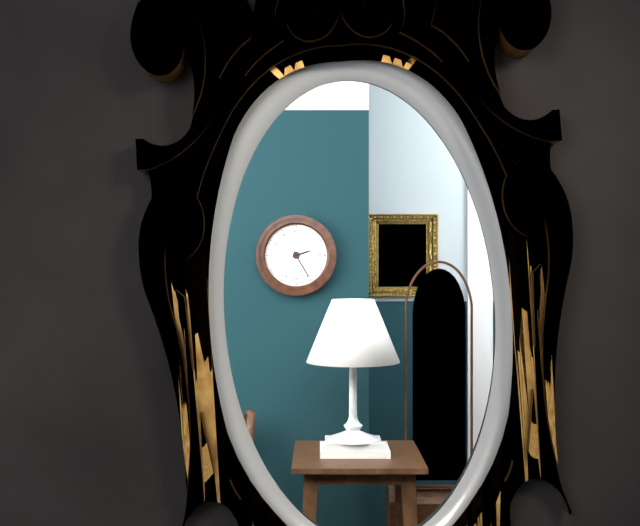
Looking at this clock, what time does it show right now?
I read 2:25
